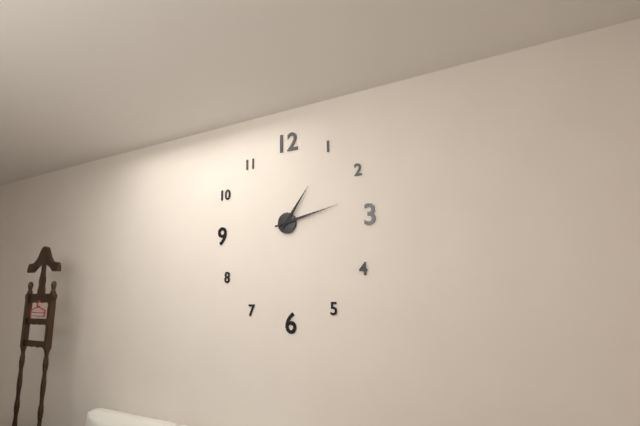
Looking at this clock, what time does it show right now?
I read 1:13
